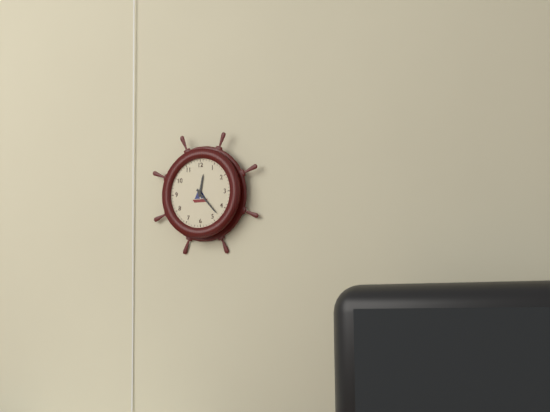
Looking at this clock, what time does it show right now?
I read 12:23
